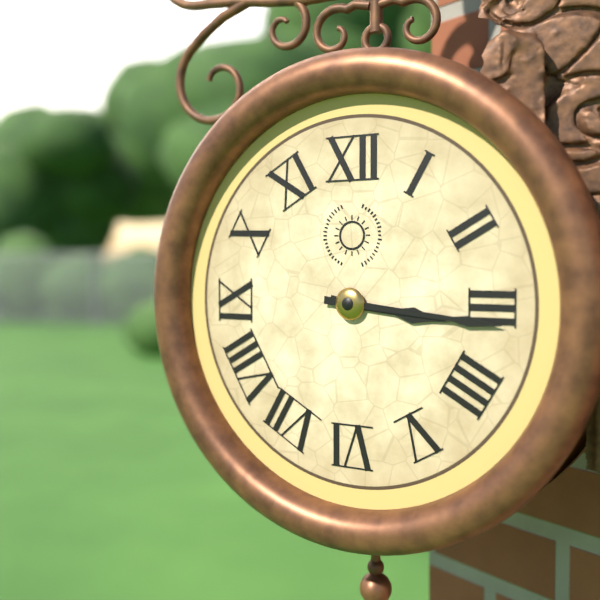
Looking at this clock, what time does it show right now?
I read 3:16
